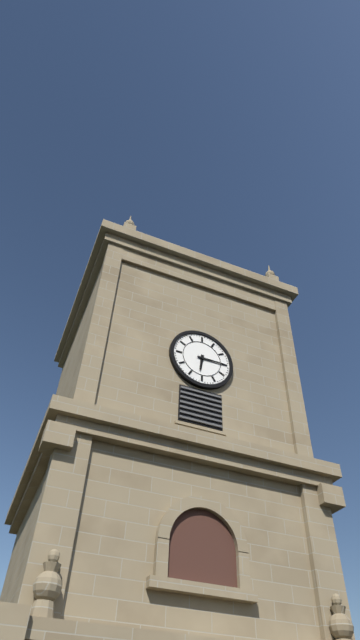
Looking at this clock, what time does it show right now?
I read 6:15
